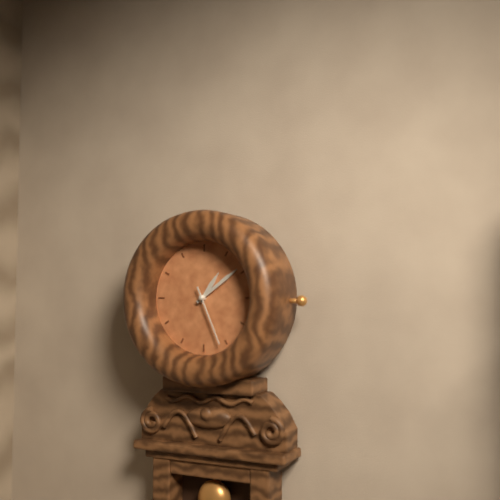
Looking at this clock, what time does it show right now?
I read 1:09:26
